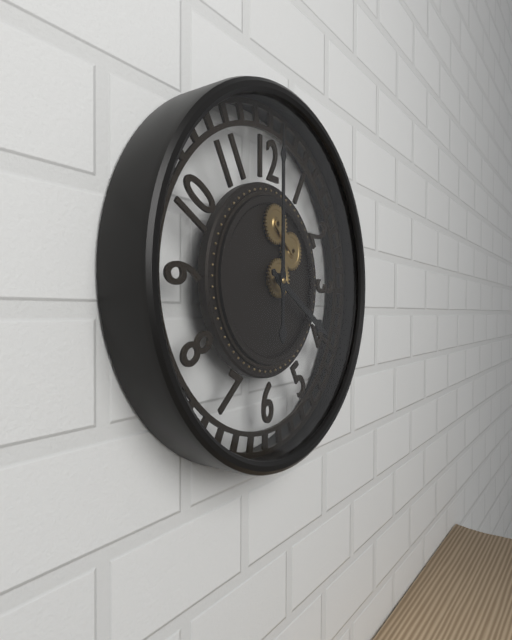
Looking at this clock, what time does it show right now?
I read 4:00
